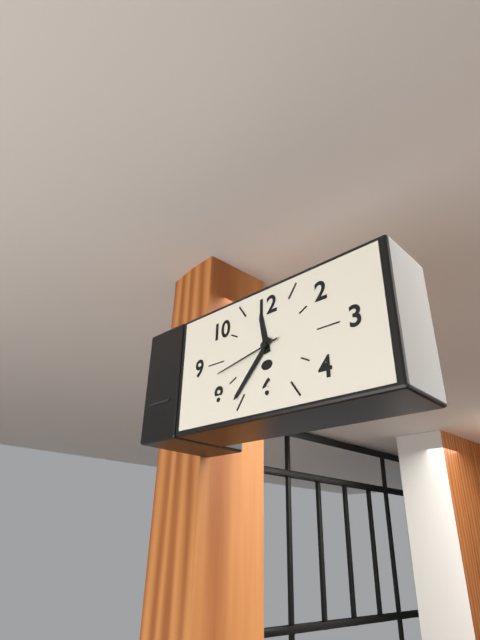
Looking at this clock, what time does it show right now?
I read 11:37:43
